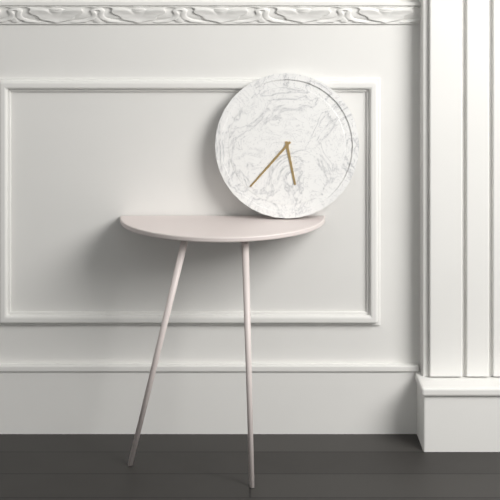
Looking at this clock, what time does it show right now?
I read 5:37
